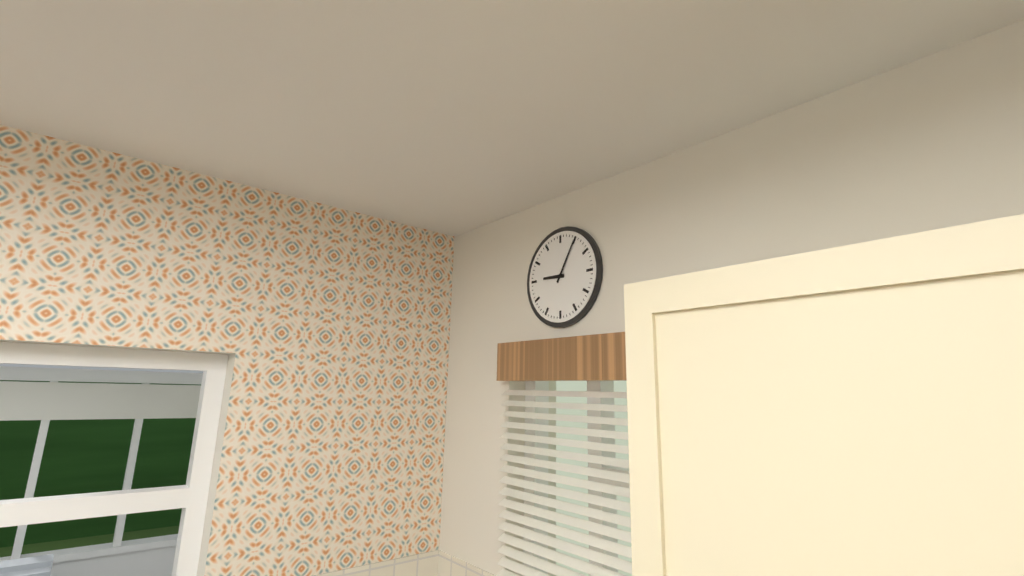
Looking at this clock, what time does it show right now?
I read 9:05
